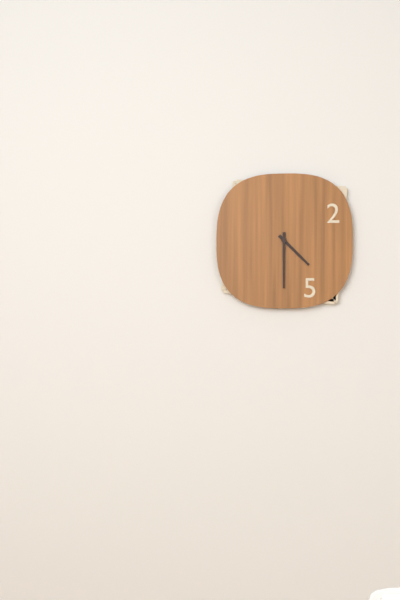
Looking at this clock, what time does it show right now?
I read 4:30
